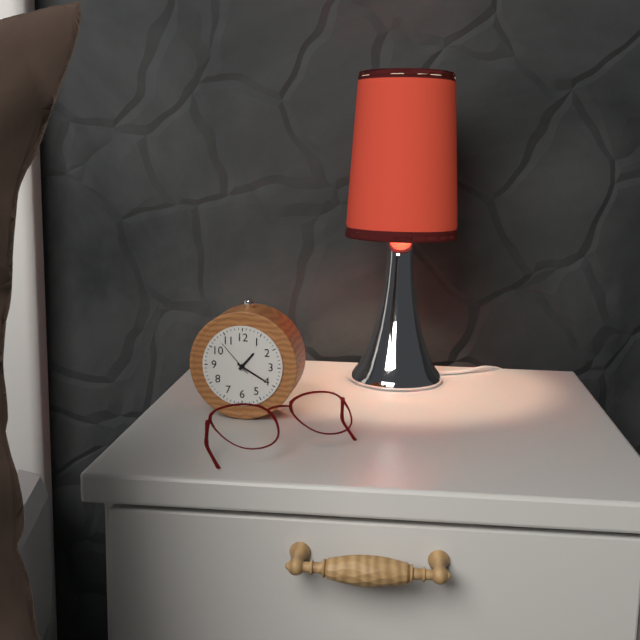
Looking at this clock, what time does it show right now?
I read 1:20
